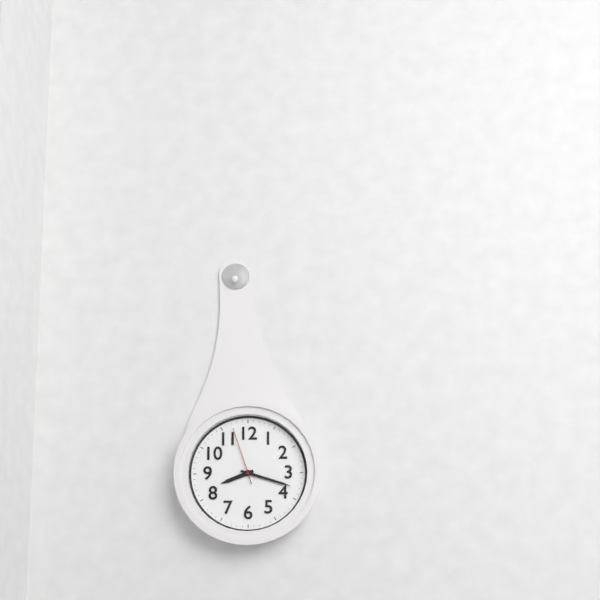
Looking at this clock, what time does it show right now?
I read 8:18:57
